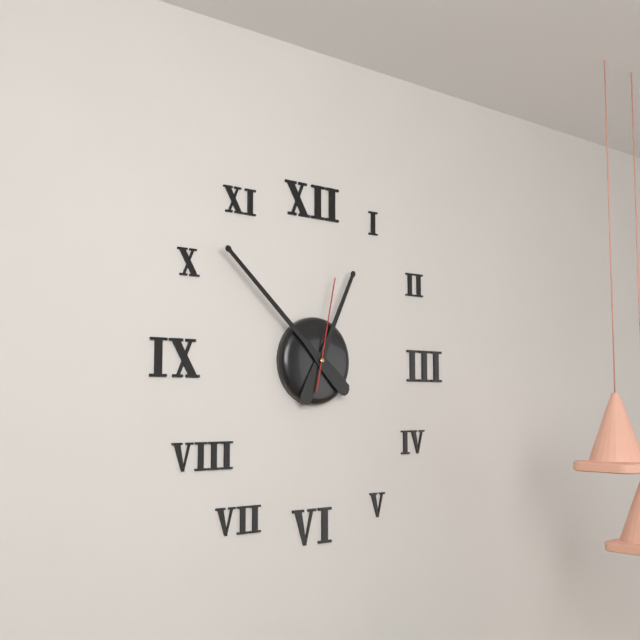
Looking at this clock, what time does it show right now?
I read 12:52:02
